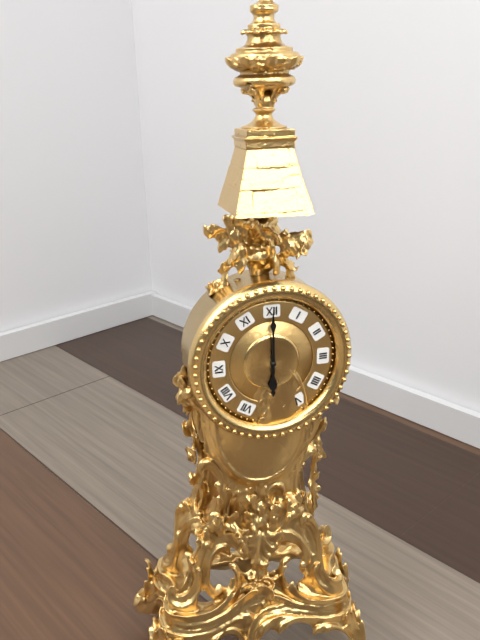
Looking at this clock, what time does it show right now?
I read 6:00
